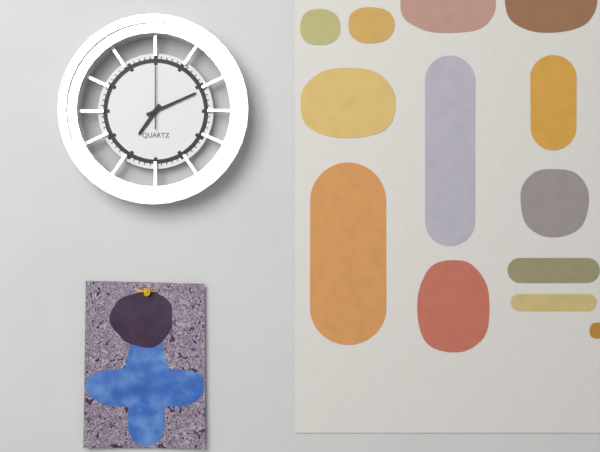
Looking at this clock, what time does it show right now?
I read 7:11:00
